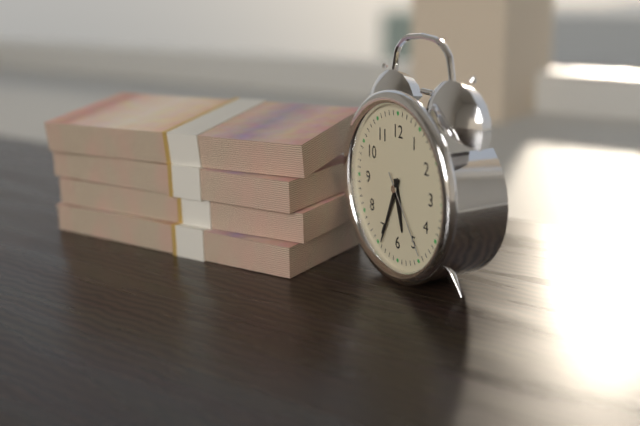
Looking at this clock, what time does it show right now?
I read 5:34:24
